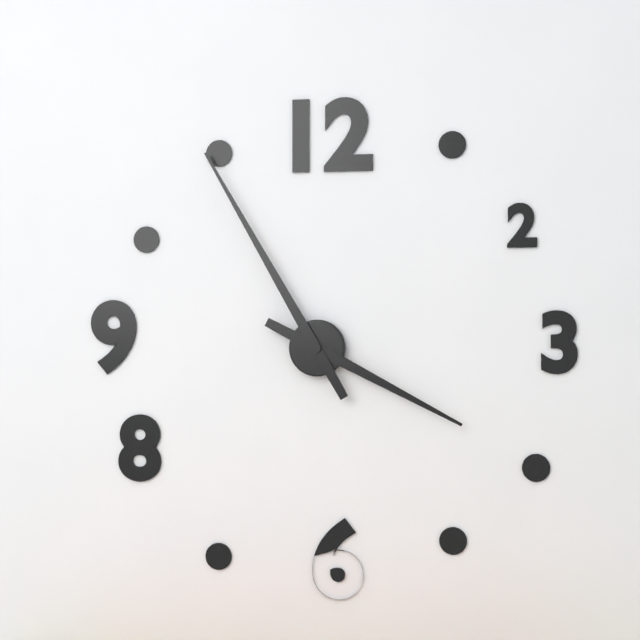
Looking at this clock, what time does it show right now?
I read 3:55
